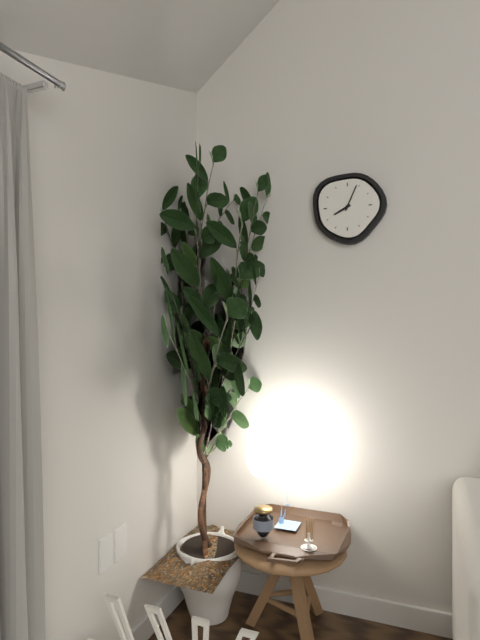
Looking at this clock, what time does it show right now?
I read 8:04
